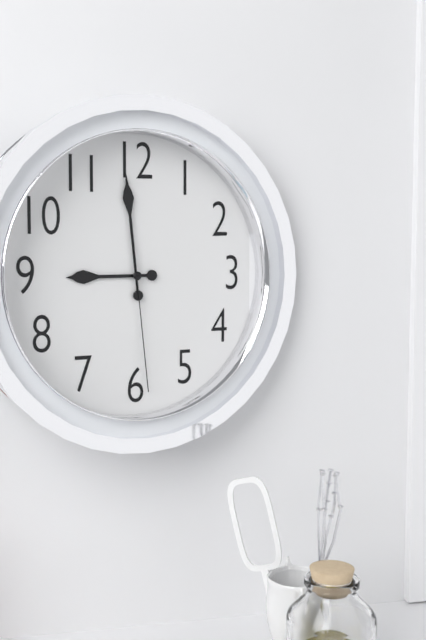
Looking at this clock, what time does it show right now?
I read 8:59:29
